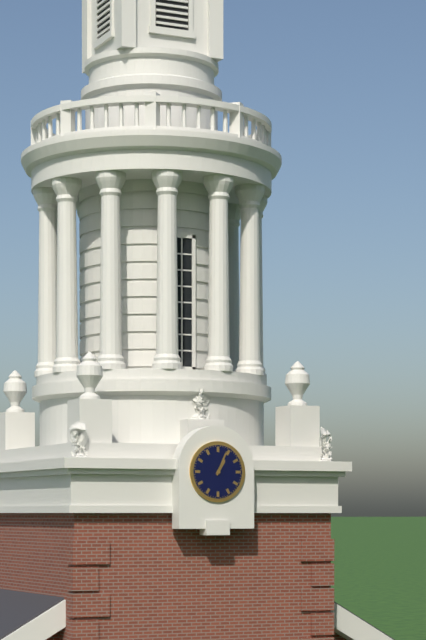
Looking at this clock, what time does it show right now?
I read 1:04
